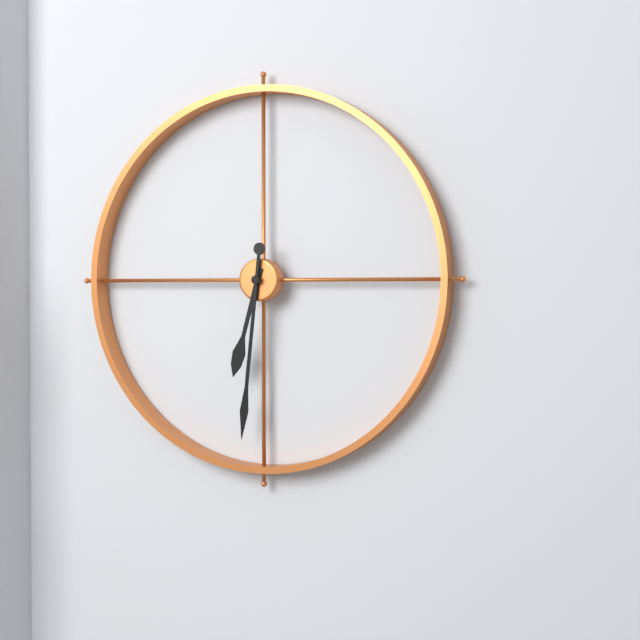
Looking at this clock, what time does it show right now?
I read 6:31
